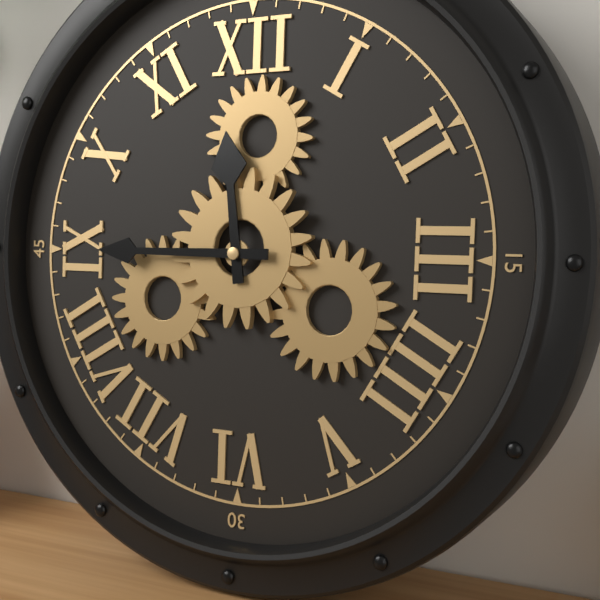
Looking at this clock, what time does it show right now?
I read 11:45
